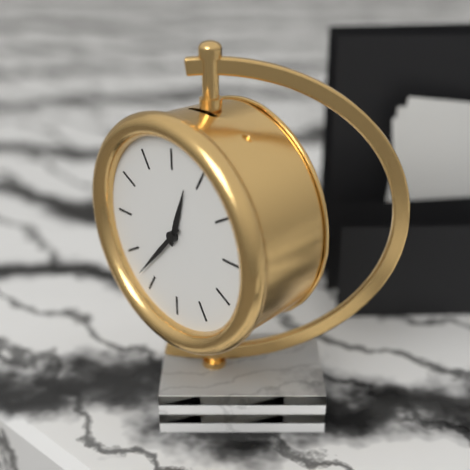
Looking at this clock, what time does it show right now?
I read 12:37
